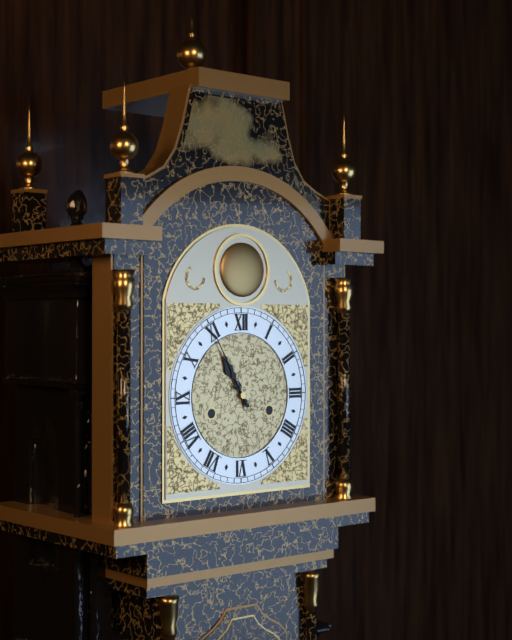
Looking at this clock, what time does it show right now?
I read 10:55
